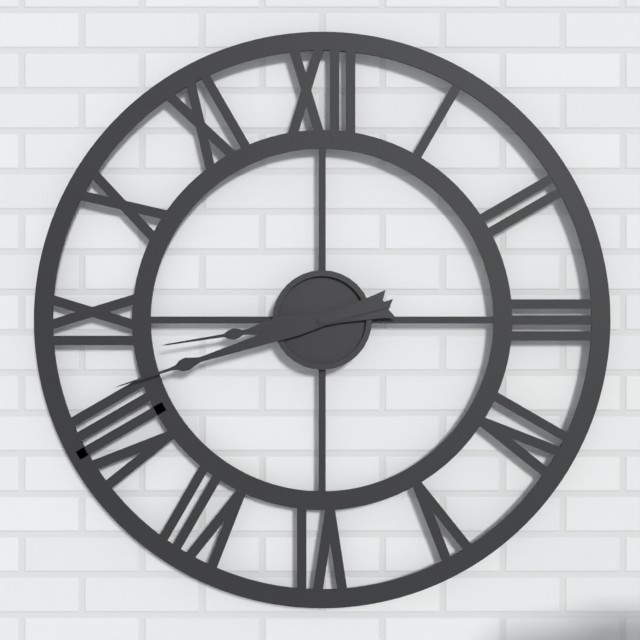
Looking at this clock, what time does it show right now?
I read 8:42
